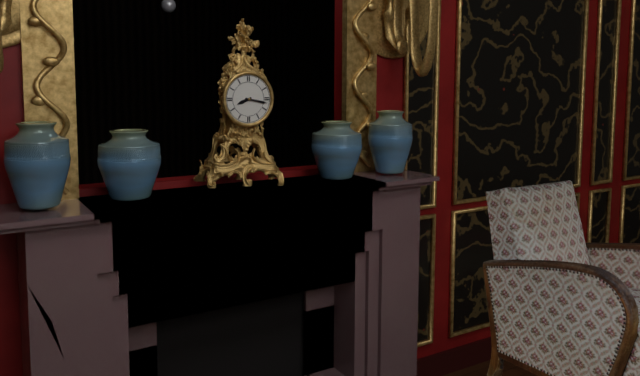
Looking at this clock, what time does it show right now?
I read 8:17
